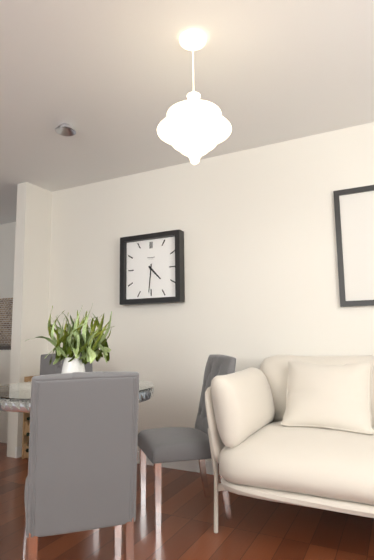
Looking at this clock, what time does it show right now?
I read 4:31
